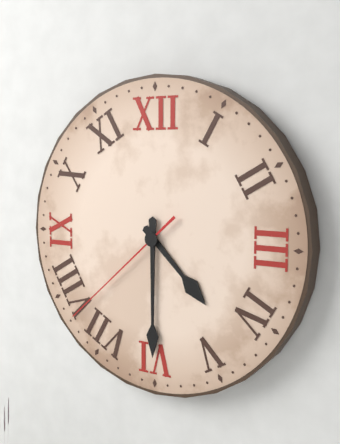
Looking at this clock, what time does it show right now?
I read 4:30:38
